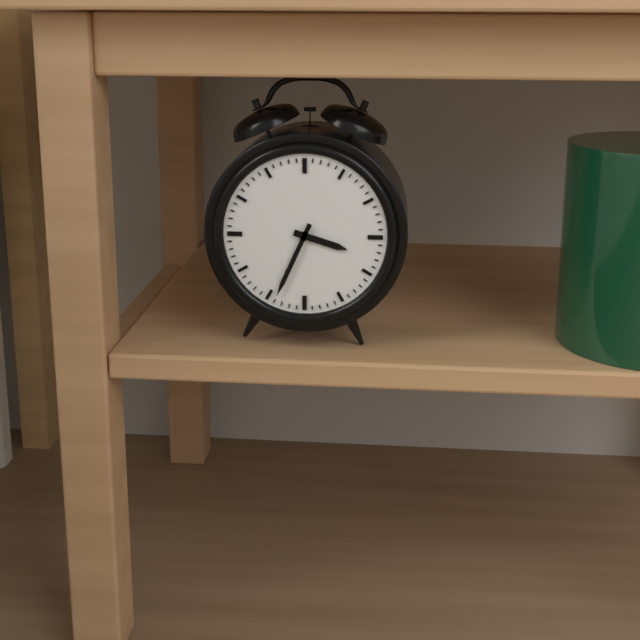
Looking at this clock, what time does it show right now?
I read 3:34
